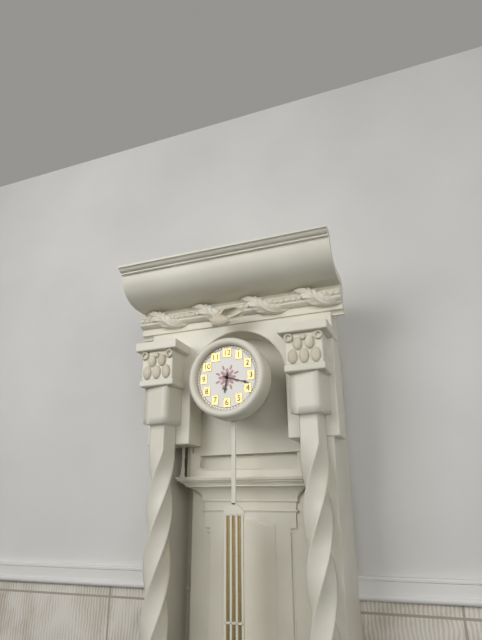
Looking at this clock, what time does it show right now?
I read 6:18
